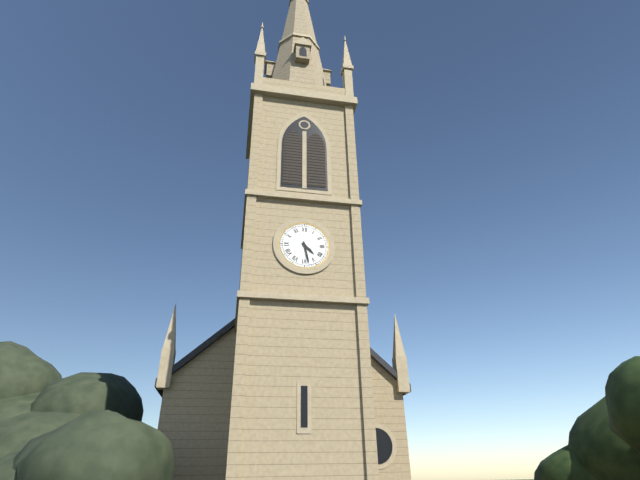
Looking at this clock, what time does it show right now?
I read 4:28
